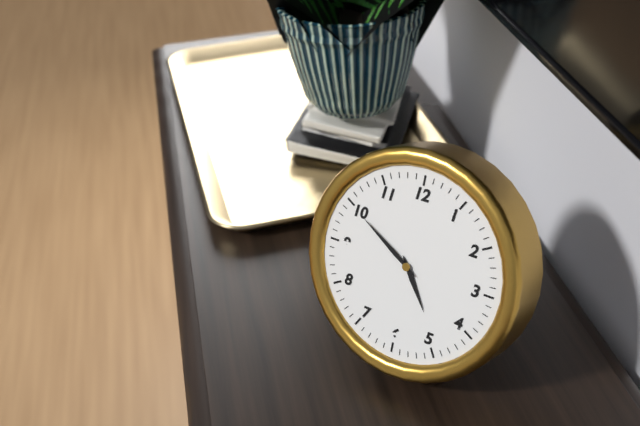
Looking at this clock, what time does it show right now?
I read 4:50
